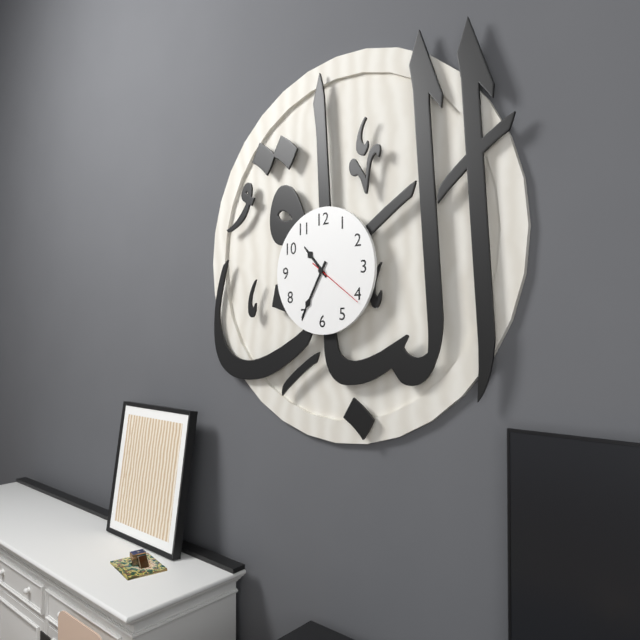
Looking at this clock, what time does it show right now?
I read 10:35:21
